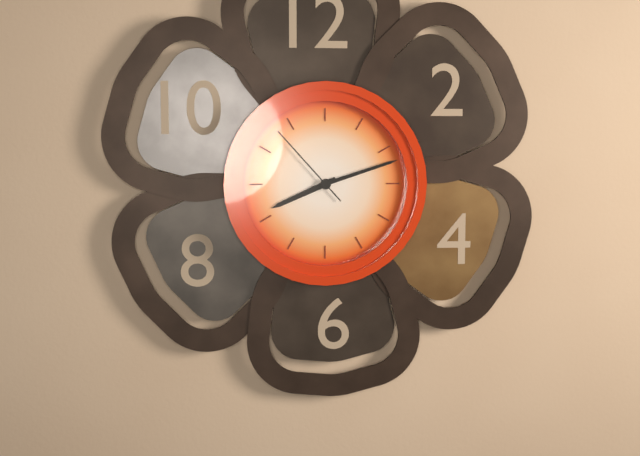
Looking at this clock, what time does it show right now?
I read 8:12:53
